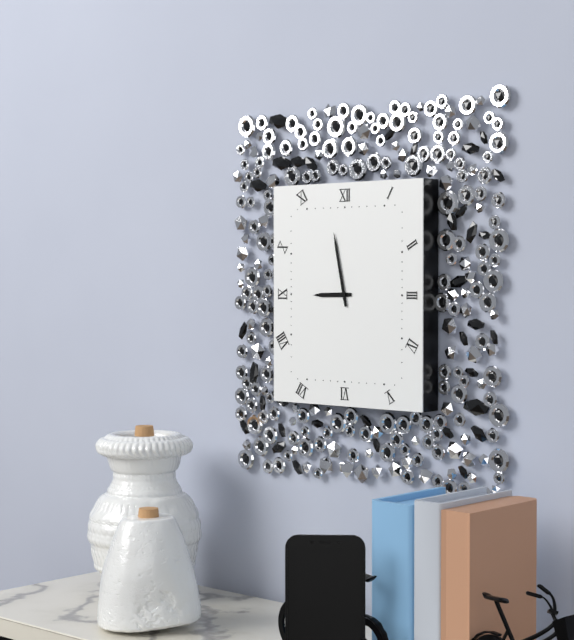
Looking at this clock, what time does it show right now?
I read 8:58
